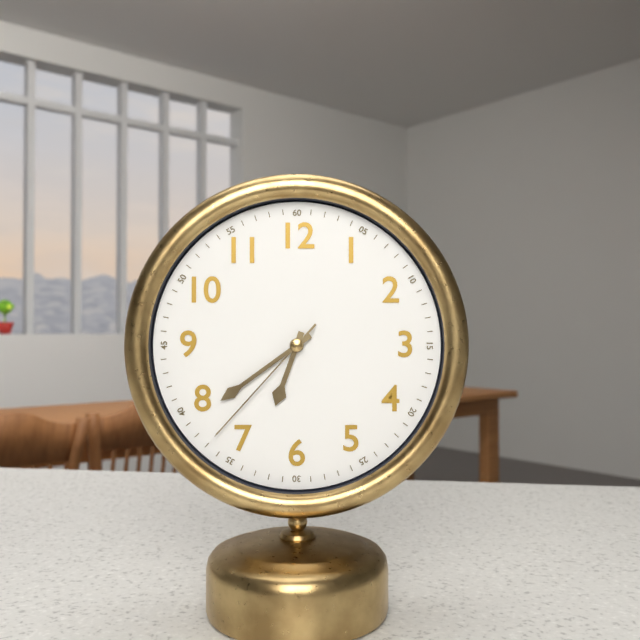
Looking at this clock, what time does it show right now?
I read 6:39:37
